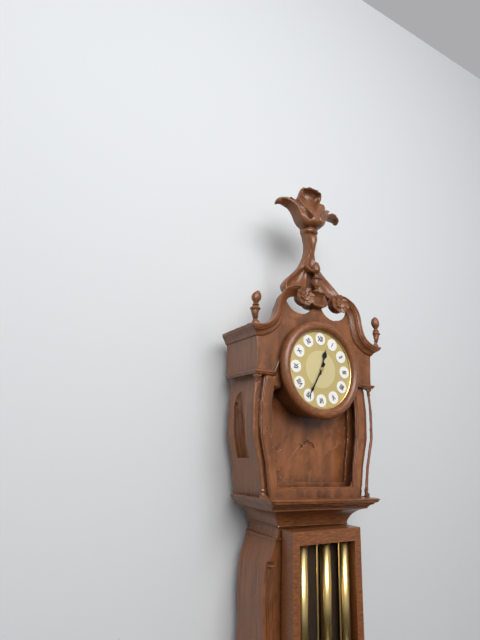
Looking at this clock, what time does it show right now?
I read 12:35
